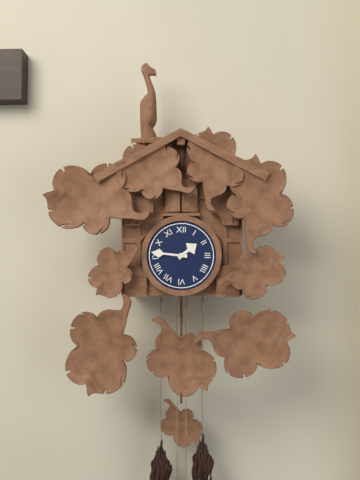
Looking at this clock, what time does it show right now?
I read 1:46
